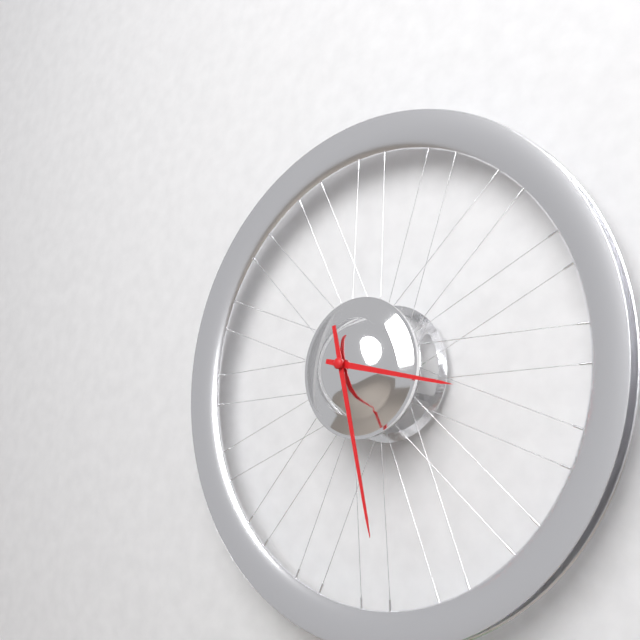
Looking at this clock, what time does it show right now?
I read 3:28
